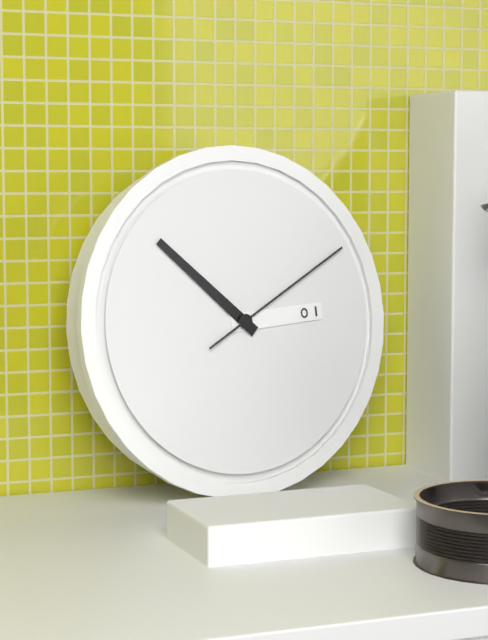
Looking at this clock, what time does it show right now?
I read 2:52:10
